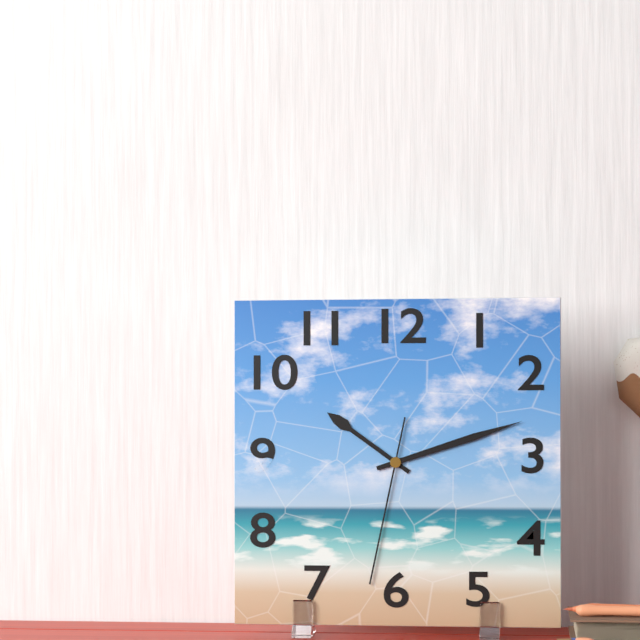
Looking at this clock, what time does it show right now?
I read 10:12:32
